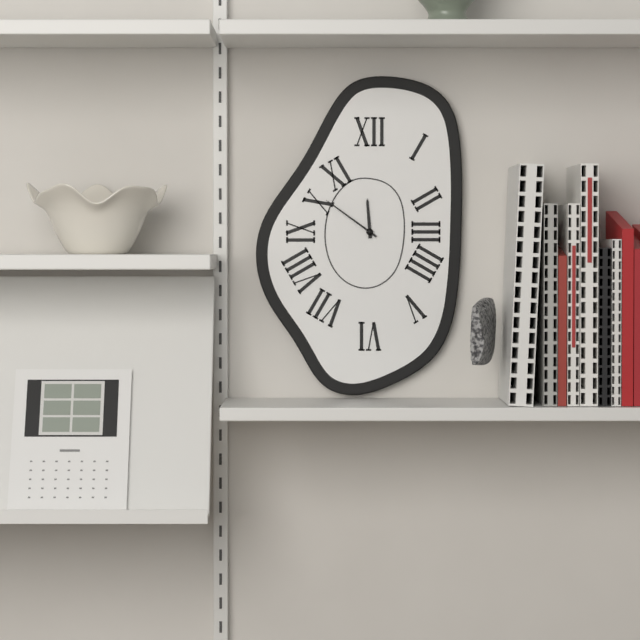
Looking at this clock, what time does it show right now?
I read 11:51
